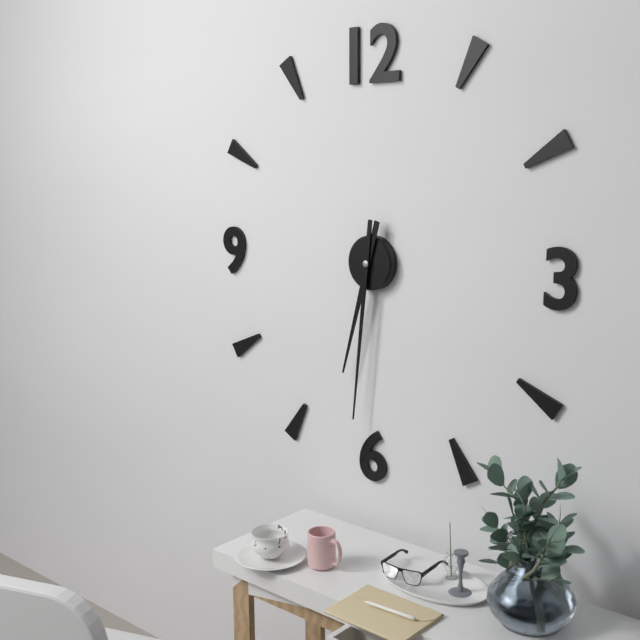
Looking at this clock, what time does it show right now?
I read 6:31
